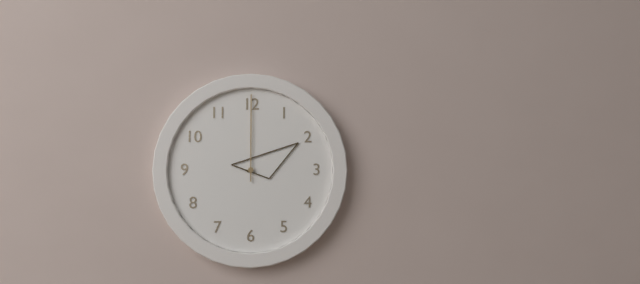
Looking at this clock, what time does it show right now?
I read 2:00
